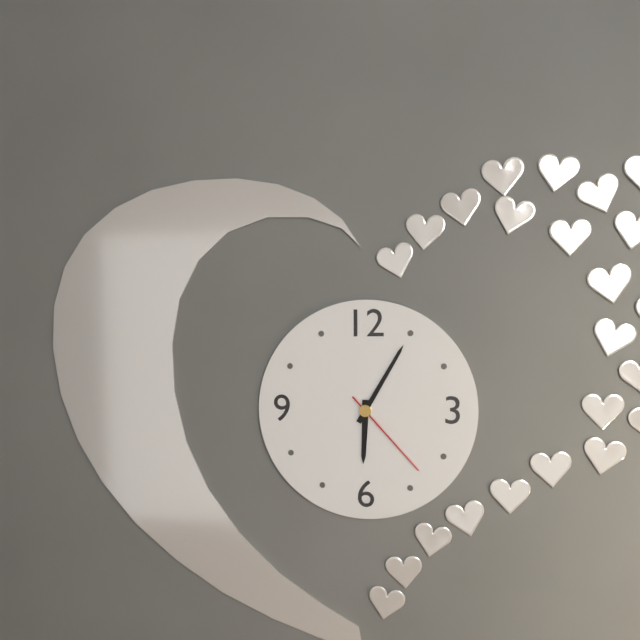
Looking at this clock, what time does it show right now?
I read 6:05:23
